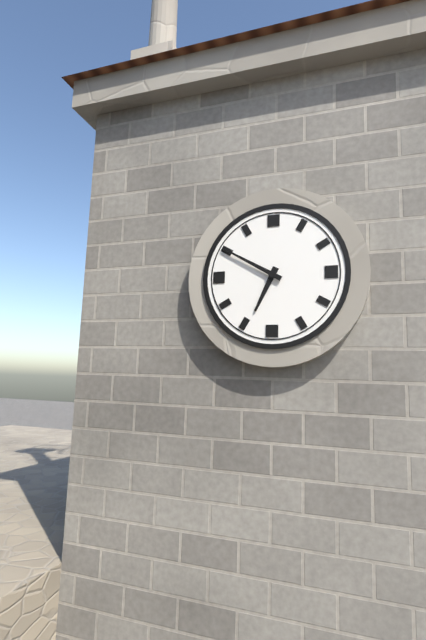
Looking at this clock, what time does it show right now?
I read 6:50
